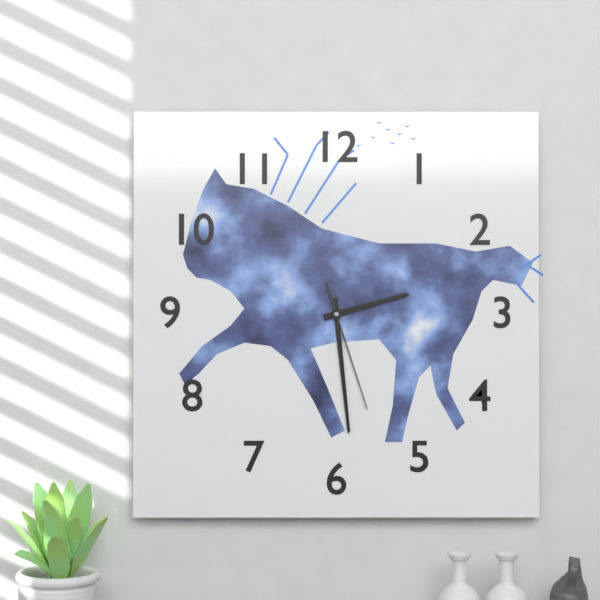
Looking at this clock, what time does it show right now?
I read 2:29:27
